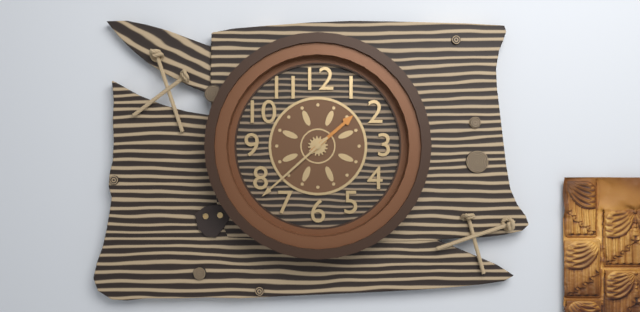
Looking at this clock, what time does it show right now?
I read 1:38
